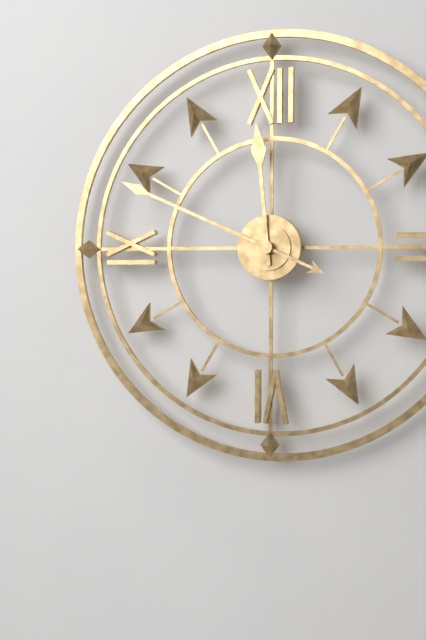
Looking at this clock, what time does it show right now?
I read 11:49
